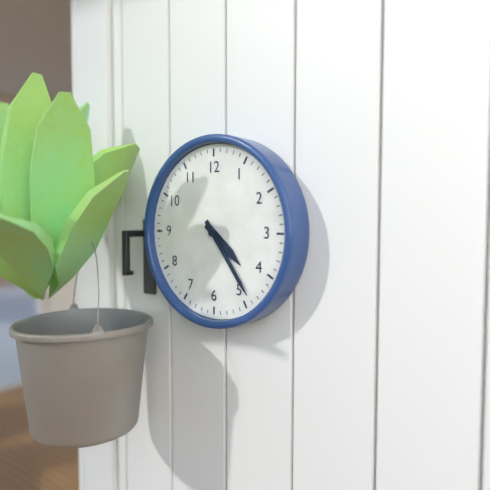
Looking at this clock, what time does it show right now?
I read 4:24
